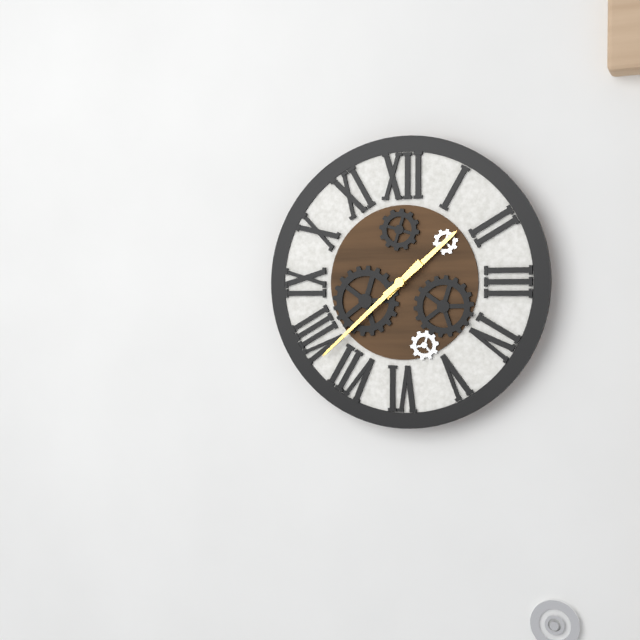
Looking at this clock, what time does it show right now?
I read 1:38
